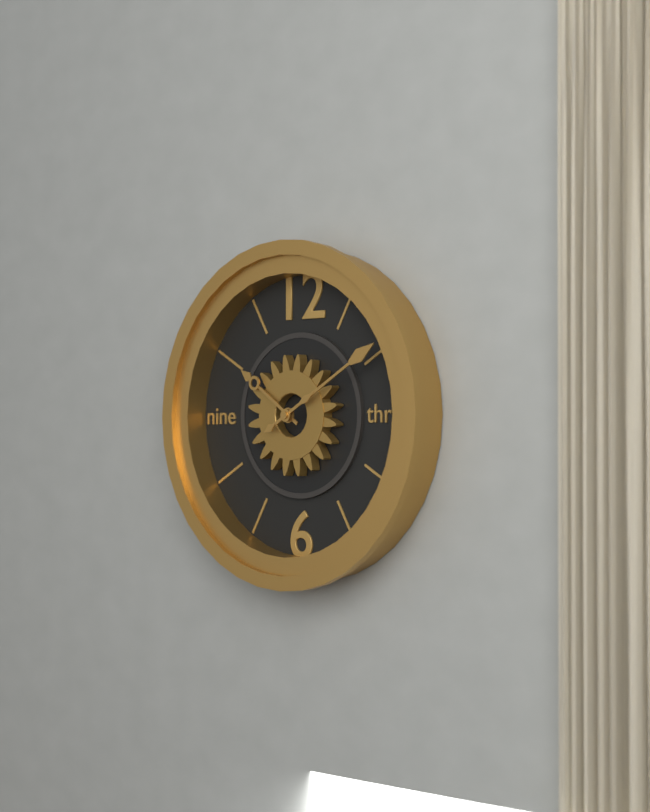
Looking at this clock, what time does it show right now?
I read 10:10
